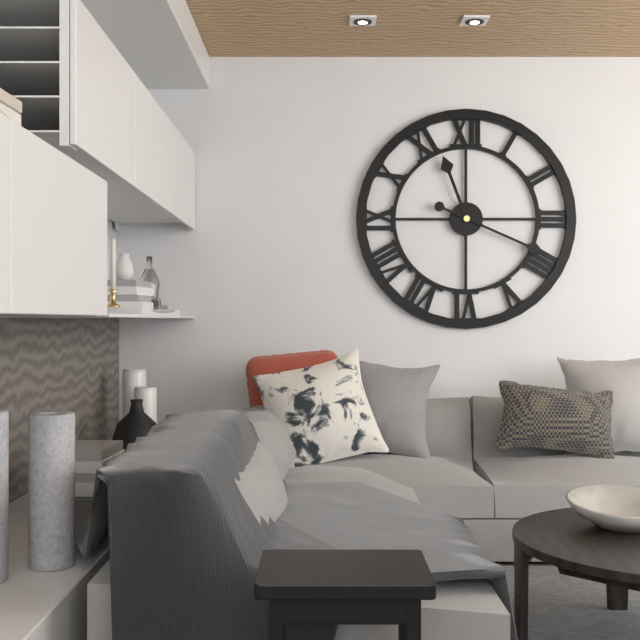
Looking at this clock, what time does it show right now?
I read 11:19
